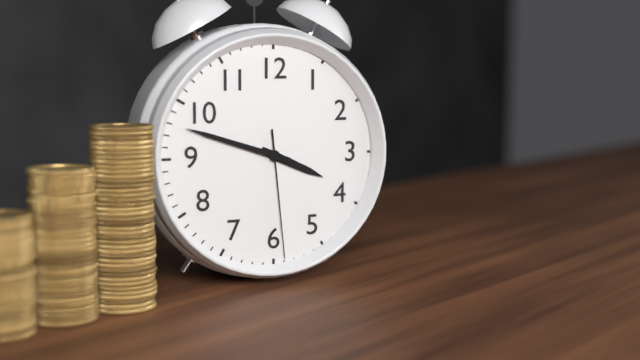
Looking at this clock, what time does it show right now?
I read 3:48:29
